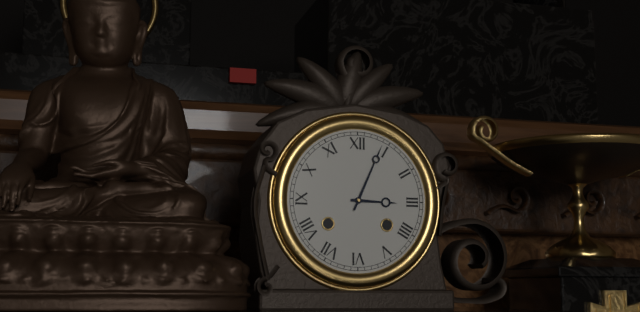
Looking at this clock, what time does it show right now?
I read 3:04
